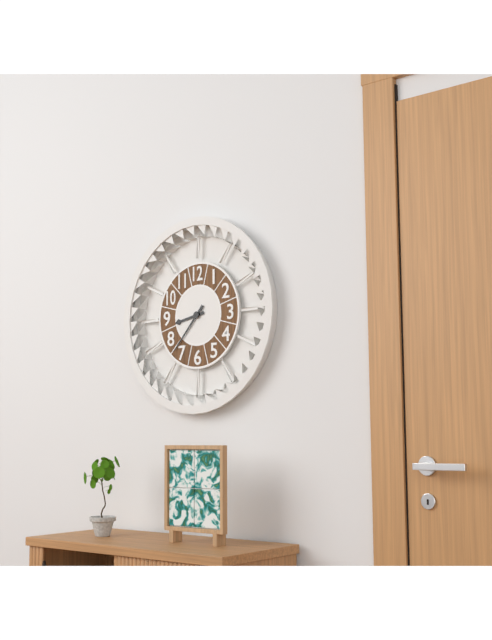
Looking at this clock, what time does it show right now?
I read 8:37
